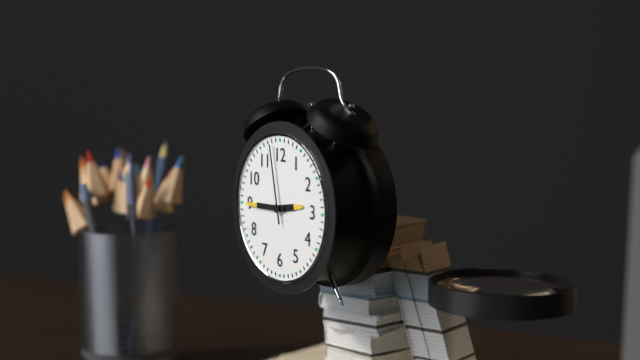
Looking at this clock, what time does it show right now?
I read 2:45:58
